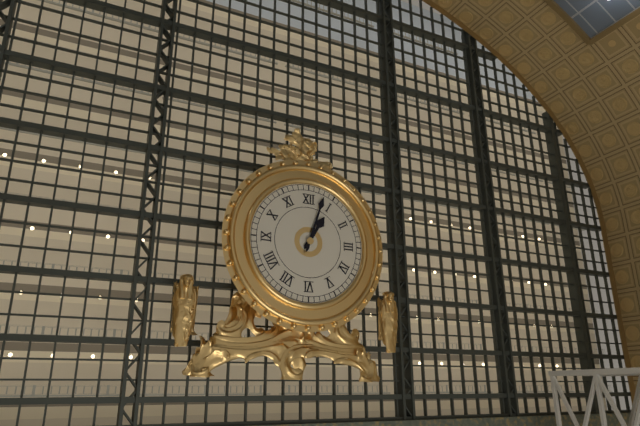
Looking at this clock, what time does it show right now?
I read 1:03
